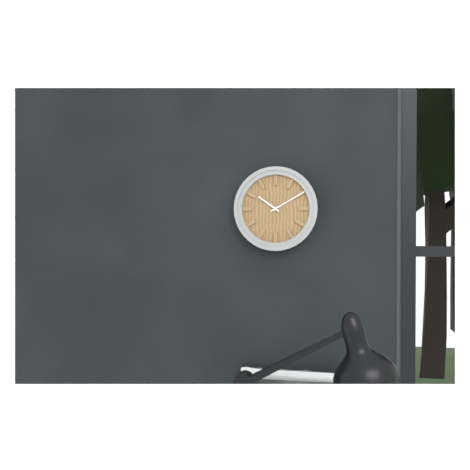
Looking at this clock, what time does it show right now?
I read 10:10
